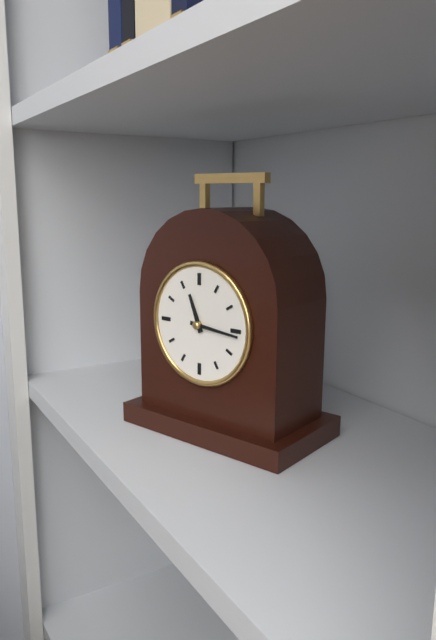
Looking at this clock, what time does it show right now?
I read 11:16
